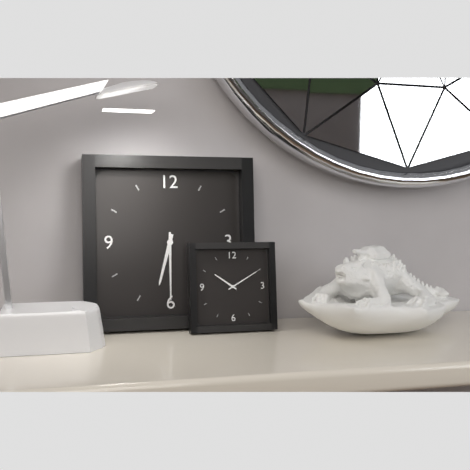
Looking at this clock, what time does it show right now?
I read 6:30
